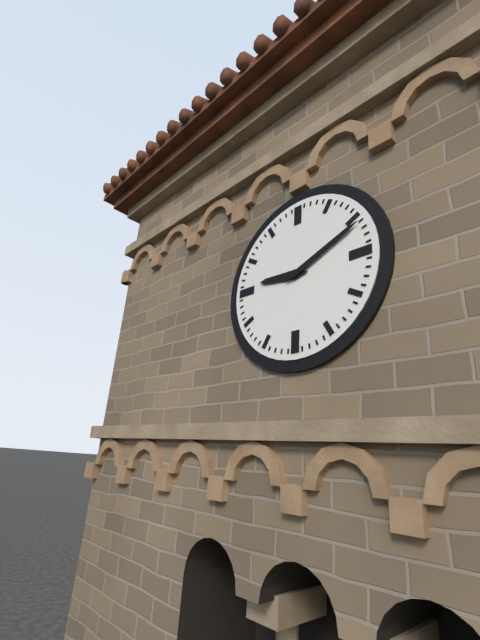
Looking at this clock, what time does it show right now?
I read 9:11
